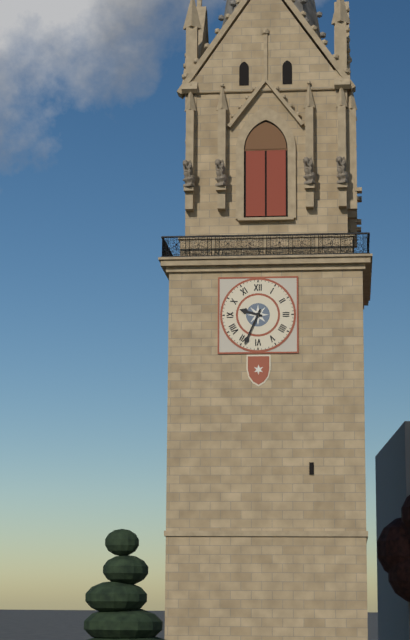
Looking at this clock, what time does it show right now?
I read 9:34
